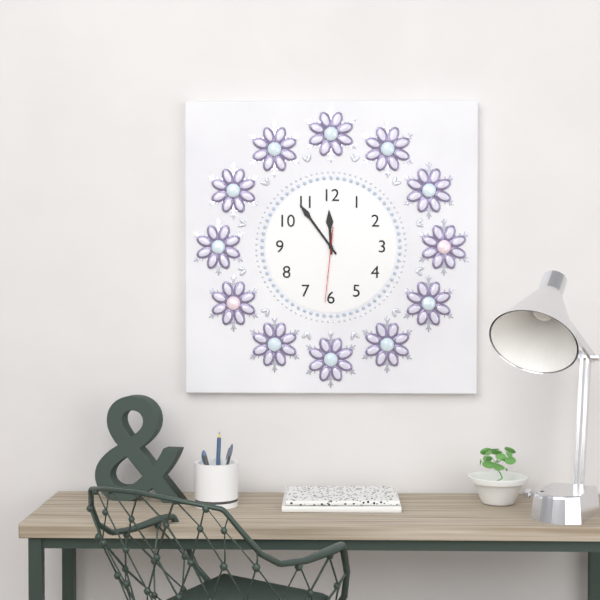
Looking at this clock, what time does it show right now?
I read 11:54:31
